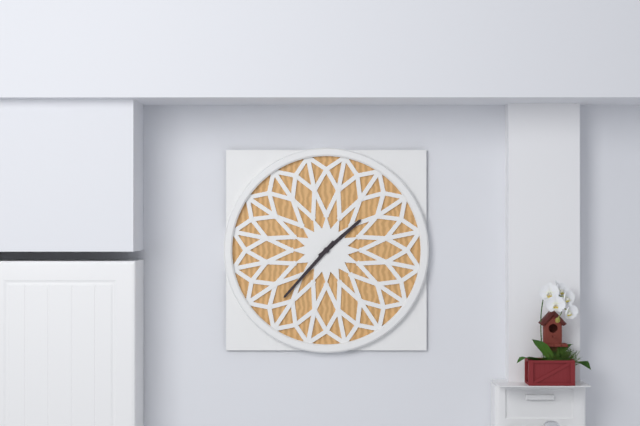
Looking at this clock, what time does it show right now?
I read 1:37
